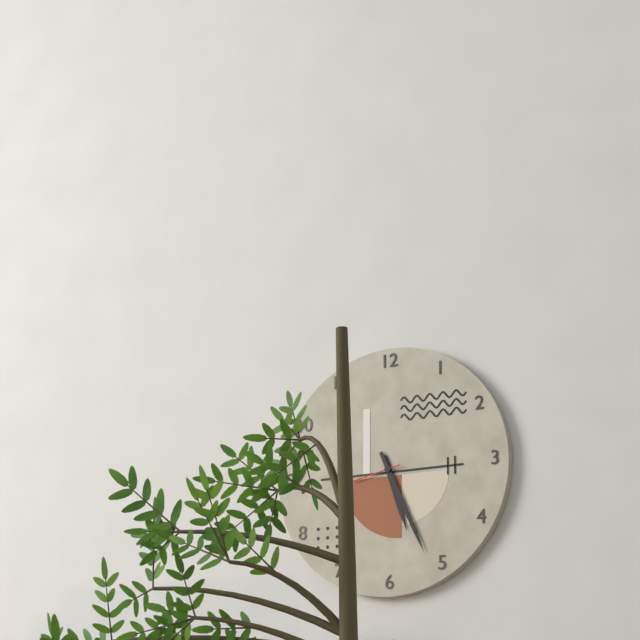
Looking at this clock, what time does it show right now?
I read 5:26
